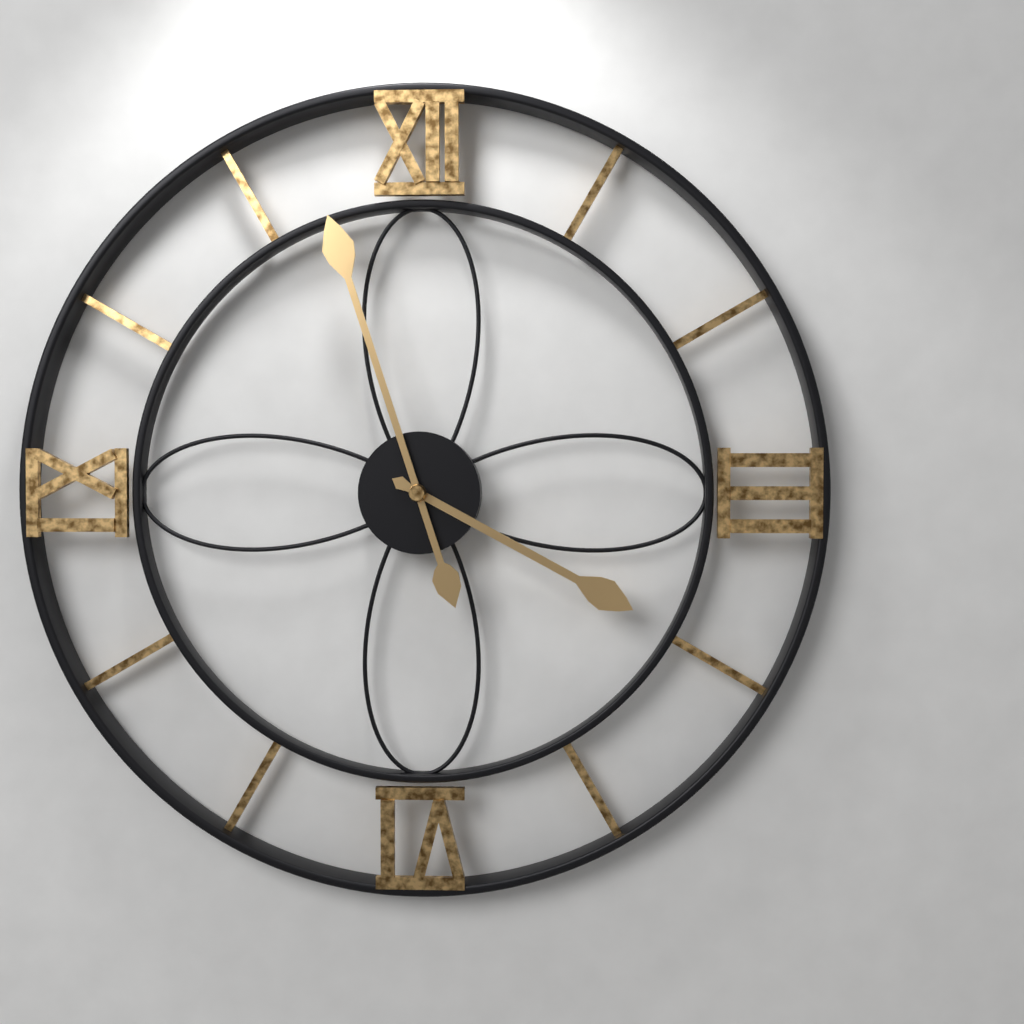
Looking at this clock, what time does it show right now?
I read 3:57
